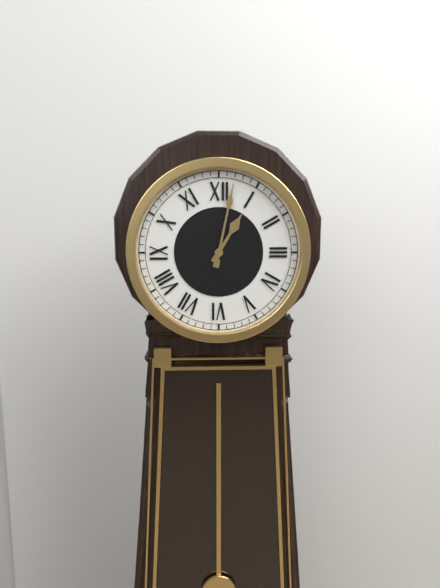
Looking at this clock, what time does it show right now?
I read 1:02
